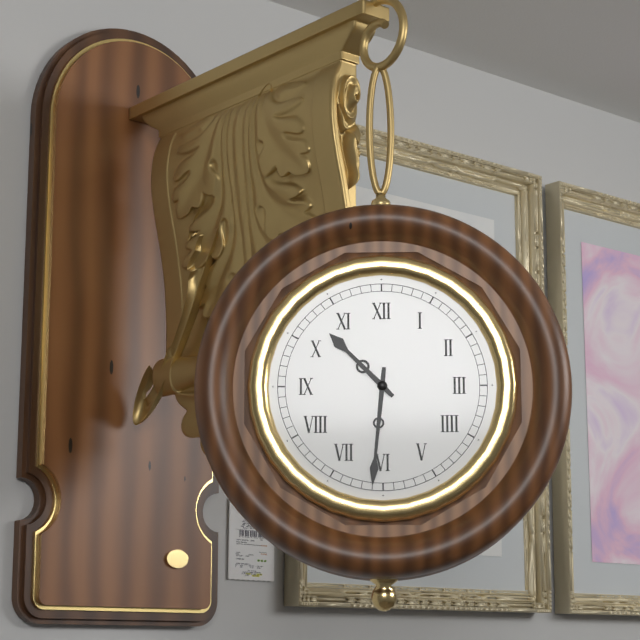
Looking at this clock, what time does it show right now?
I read 10:31
